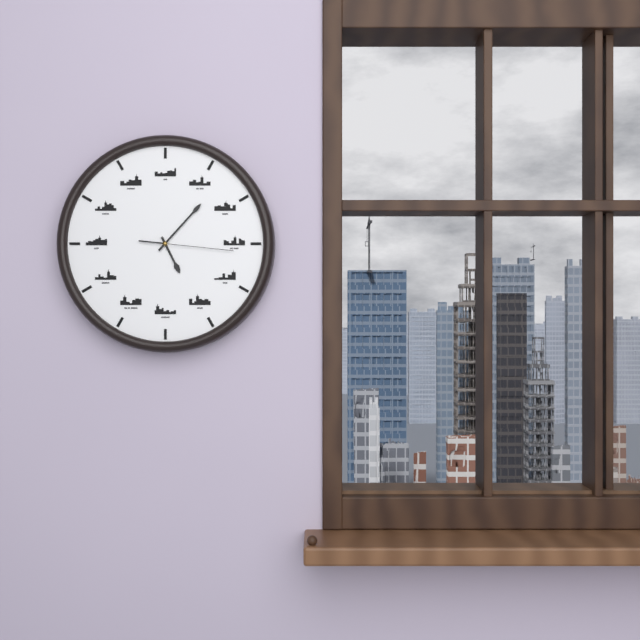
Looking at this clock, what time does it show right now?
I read 5:07:16
